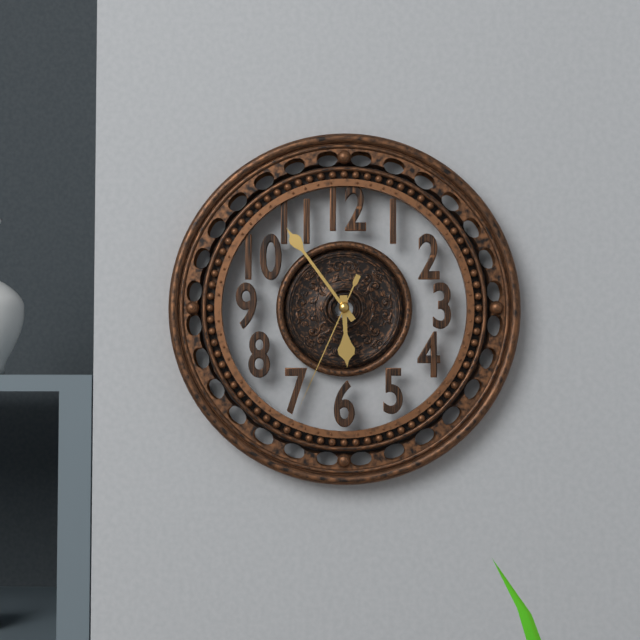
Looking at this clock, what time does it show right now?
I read 5:54:34
